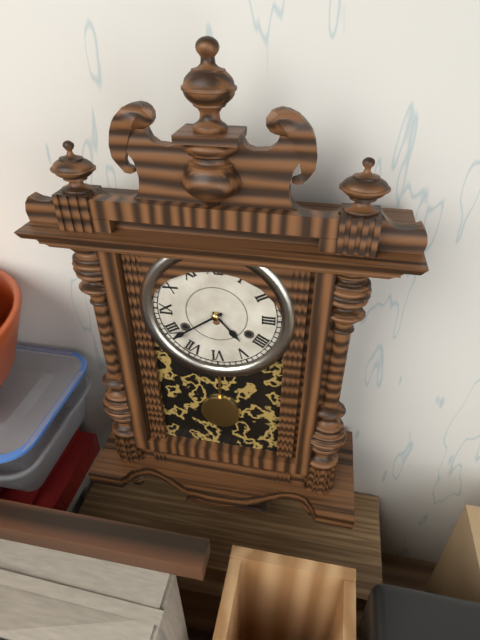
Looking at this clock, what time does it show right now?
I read 4:39
